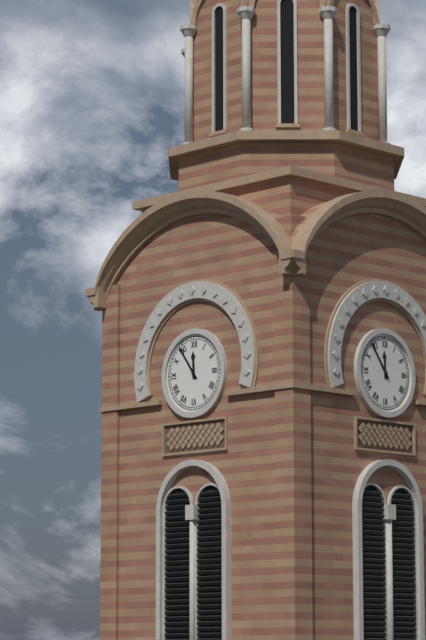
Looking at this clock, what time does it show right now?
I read 11:54
